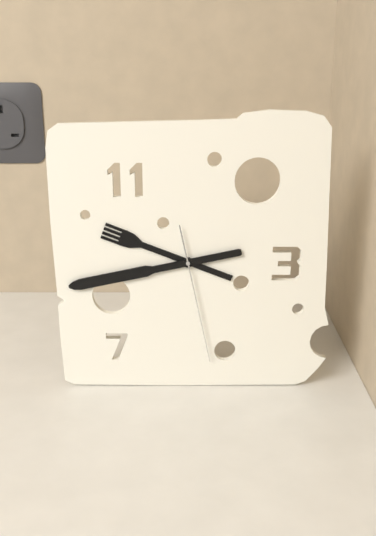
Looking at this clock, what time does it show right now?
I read 9:43:28
